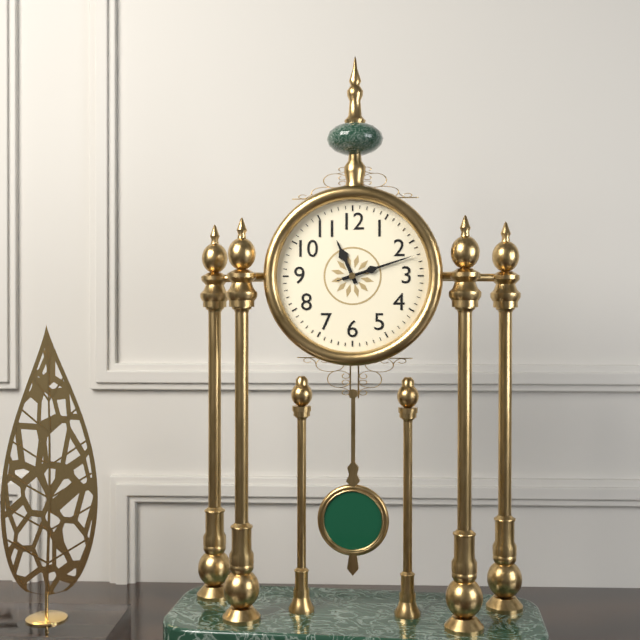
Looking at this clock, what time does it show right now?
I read 11:12:12
